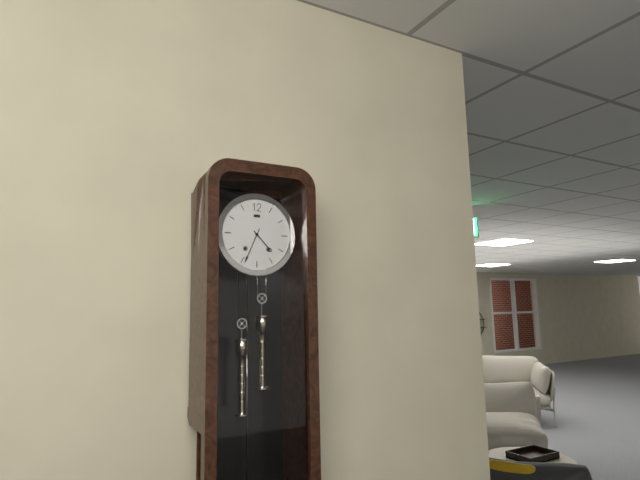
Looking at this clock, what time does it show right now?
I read 4:34
